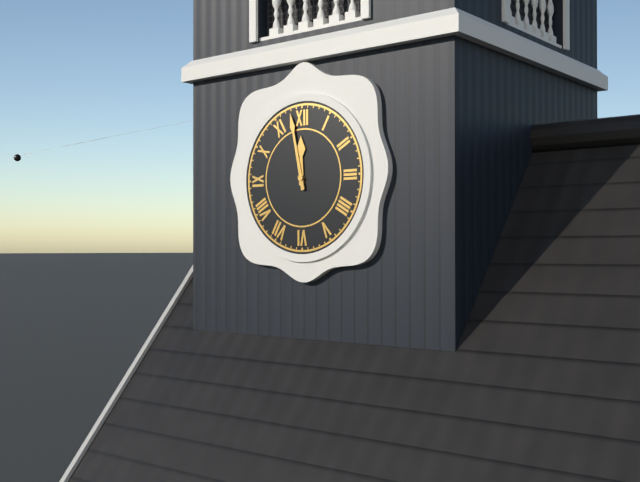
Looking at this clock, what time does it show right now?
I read 11:58
